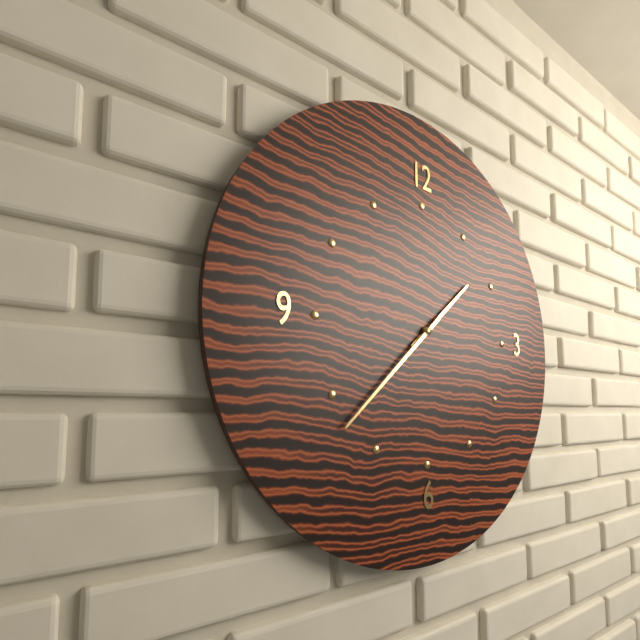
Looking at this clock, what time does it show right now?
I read 1:38
